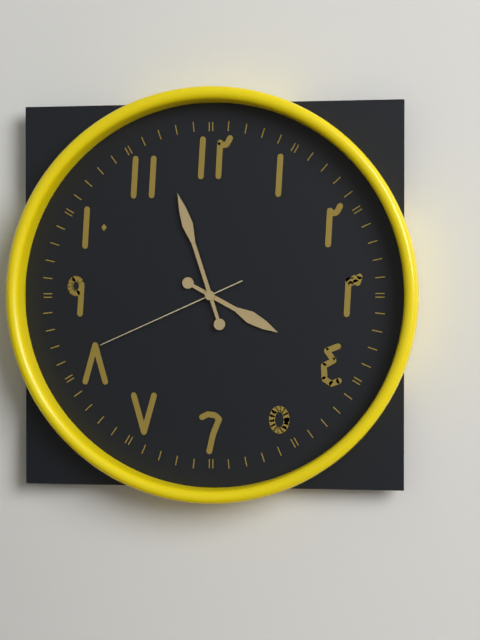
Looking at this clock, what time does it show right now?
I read 3:57:41
